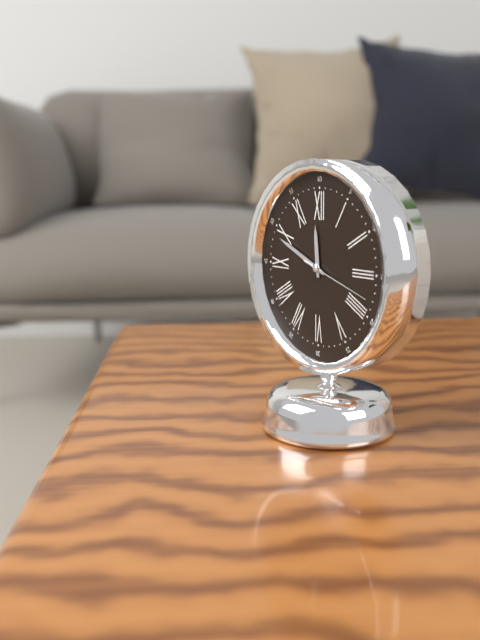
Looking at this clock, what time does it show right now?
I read 11:49:18
